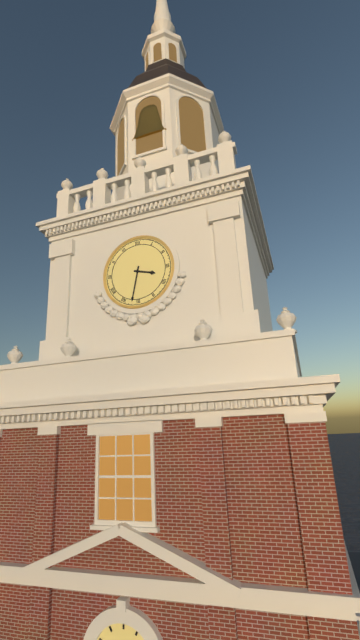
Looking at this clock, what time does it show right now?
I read 3:32
